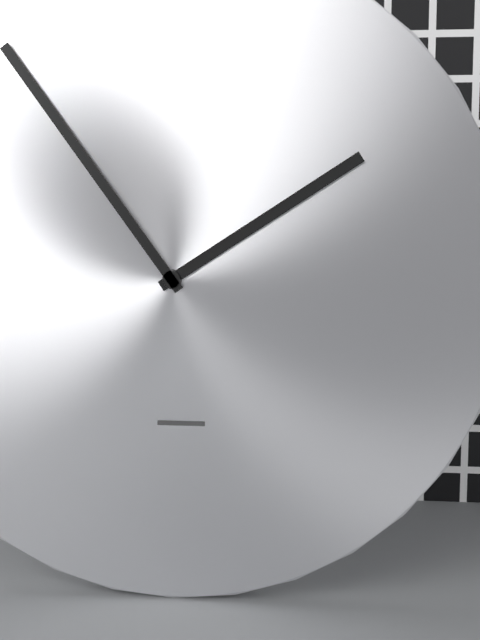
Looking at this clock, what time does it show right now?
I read 1:54
